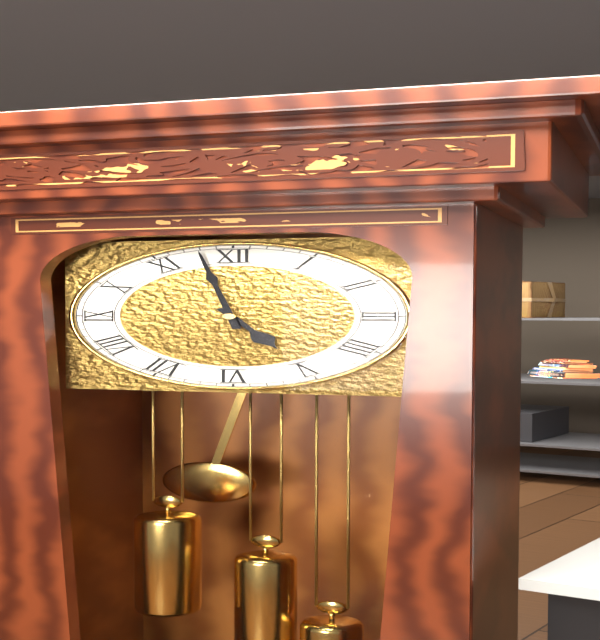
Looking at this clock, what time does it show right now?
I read 4:58
